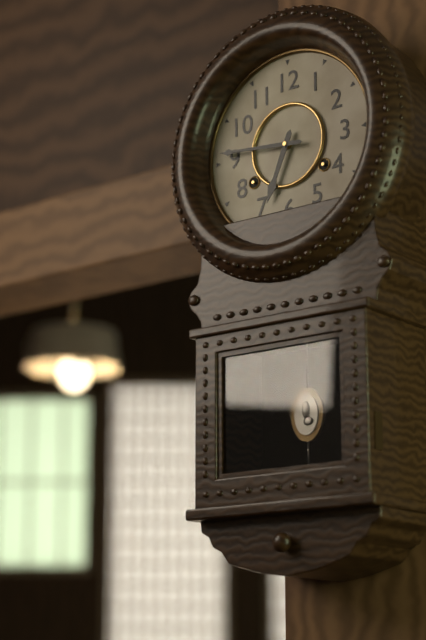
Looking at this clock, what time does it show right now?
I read 6:46
